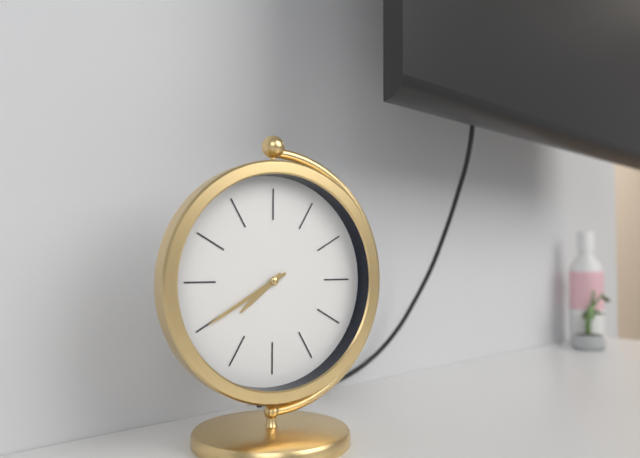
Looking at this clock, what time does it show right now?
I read 7:40
